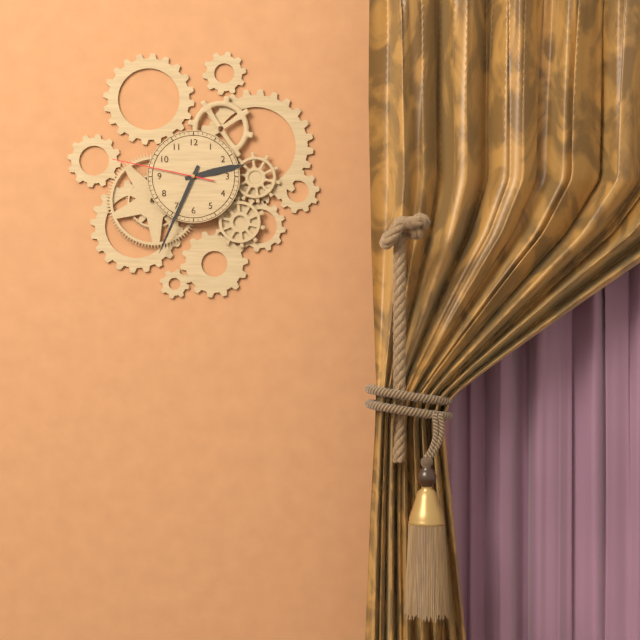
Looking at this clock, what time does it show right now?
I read 2:34:47
